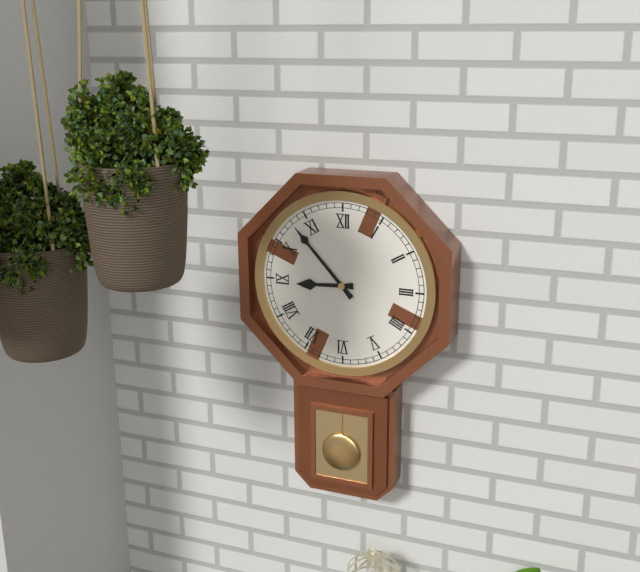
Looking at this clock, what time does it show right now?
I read 8:53
